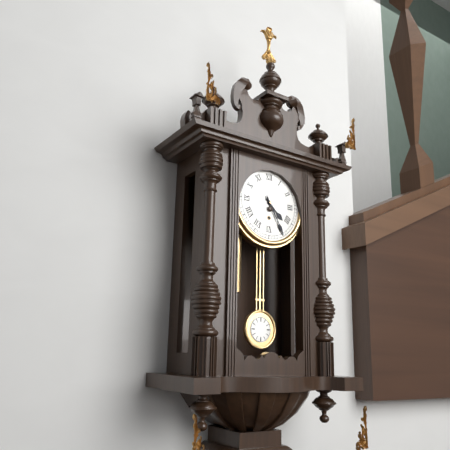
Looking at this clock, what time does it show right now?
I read 4:25
